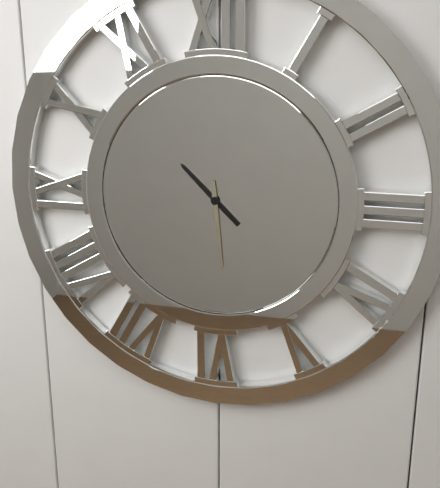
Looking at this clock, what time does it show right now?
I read 10:29
